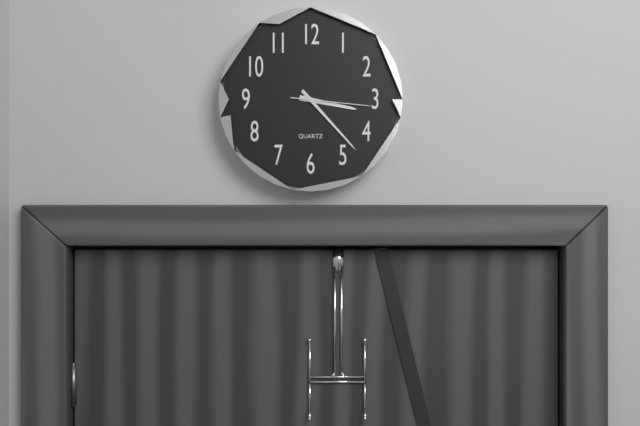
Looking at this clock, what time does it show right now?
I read 3:23:16
